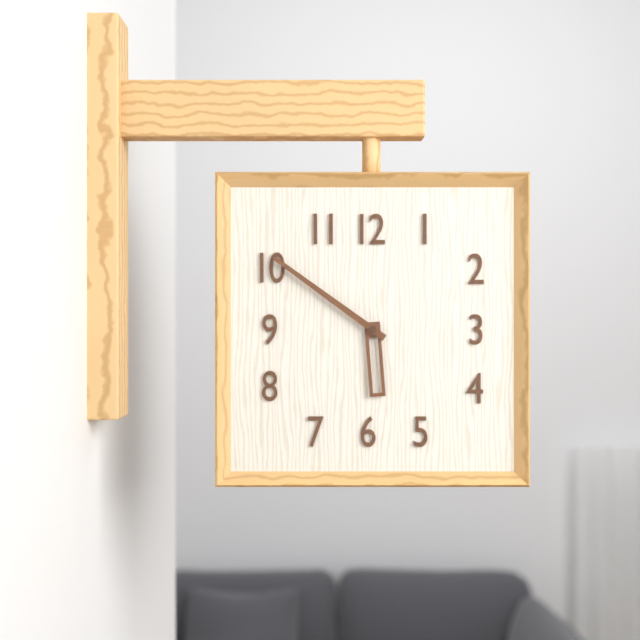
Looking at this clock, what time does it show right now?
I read 5:51
